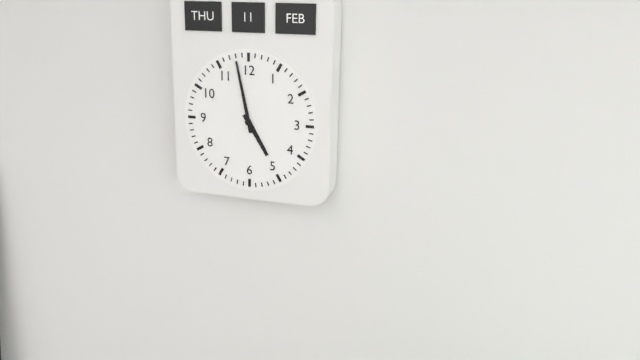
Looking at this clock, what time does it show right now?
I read 4:58
